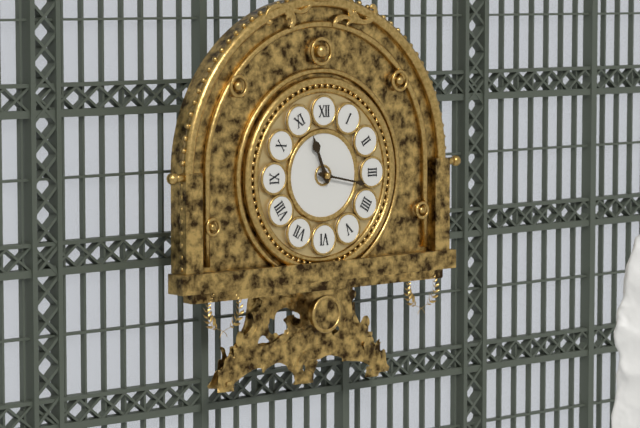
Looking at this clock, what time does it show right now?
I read 11:17
